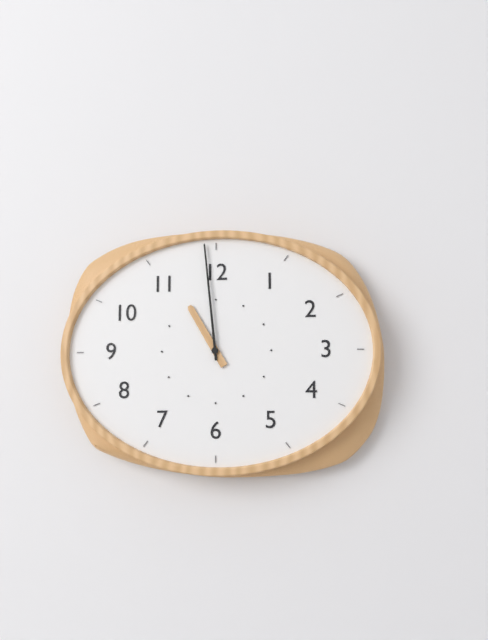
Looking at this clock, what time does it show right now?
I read 10:59
